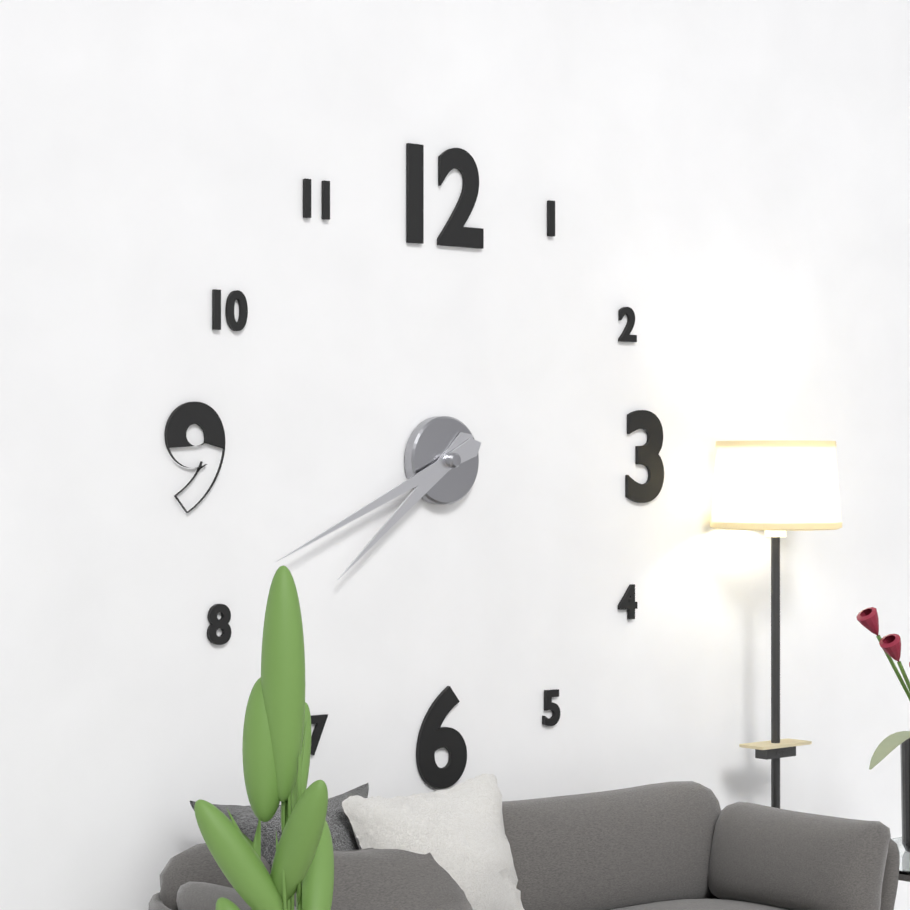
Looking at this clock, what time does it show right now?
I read 7:41
